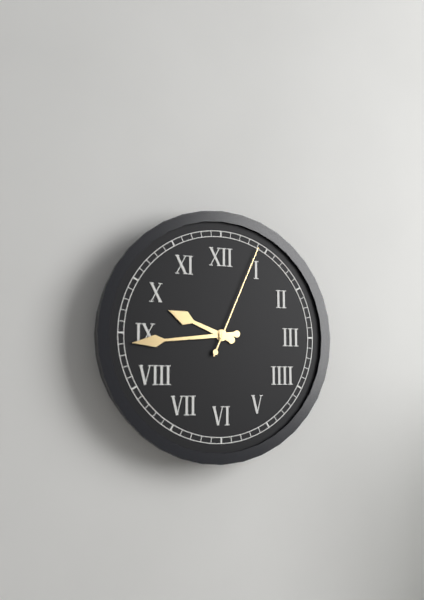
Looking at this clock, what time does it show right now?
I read 9:44:04
